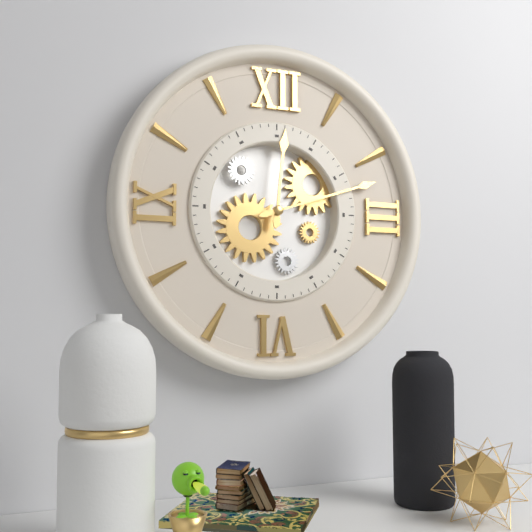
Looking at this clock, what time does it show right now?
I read 12:12
